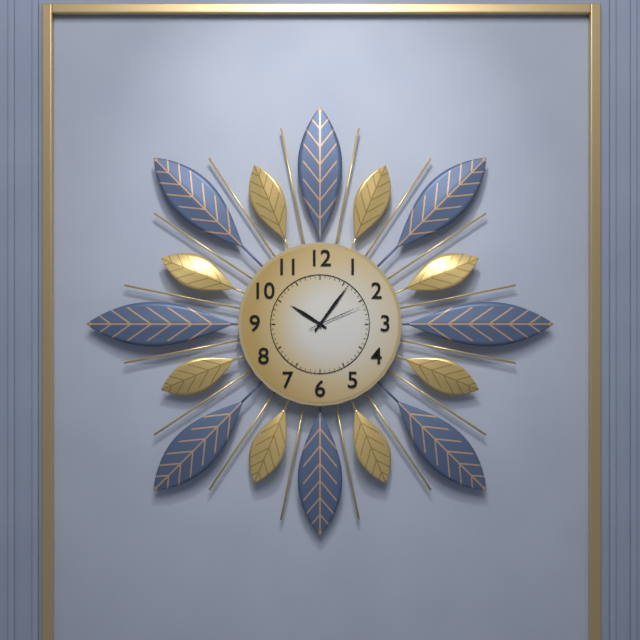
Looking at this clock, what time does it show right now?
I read 10:06:11
